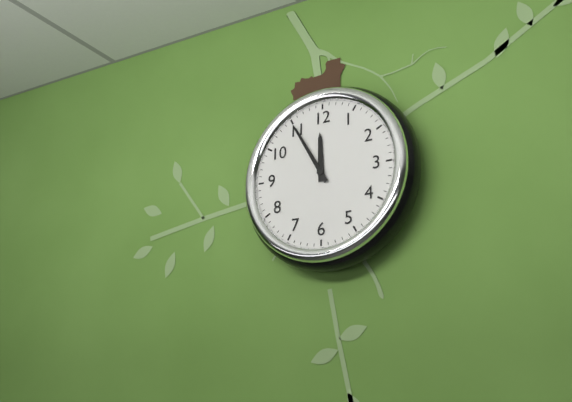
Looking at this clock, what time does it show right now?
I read 11:55
